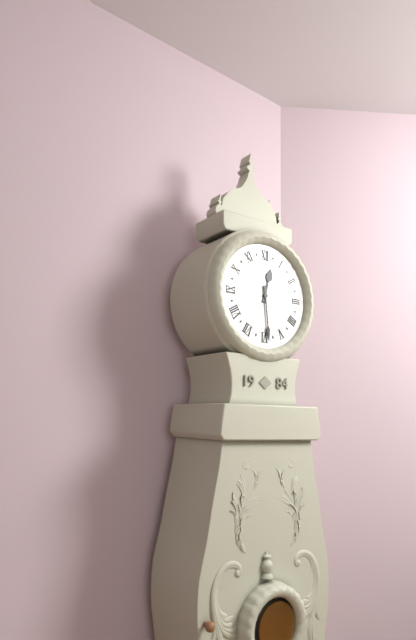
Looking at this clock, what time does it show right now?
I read 12:29
